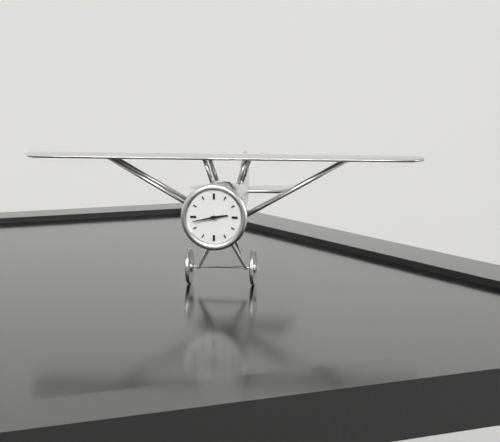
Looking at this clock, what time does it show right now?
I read 2:43
